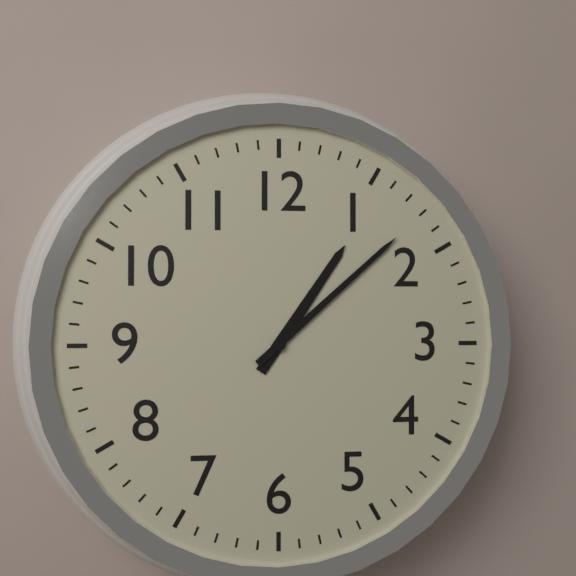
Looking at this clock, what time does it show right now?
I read 1:08
